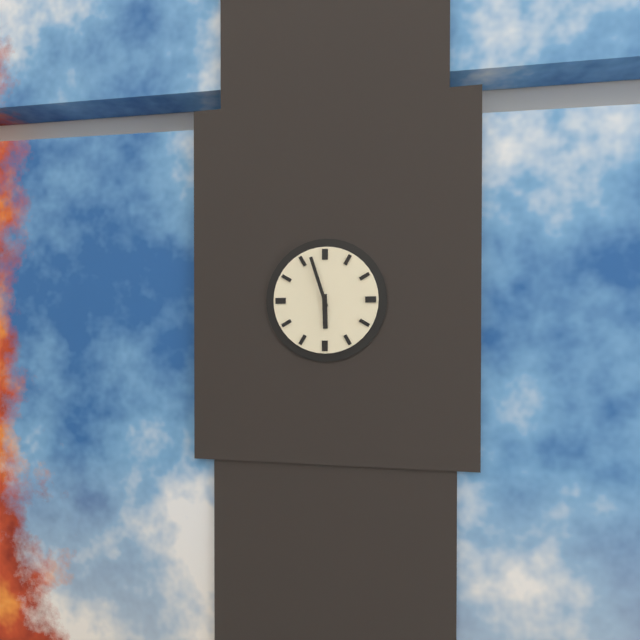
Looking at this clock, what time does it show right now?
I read 5:57
